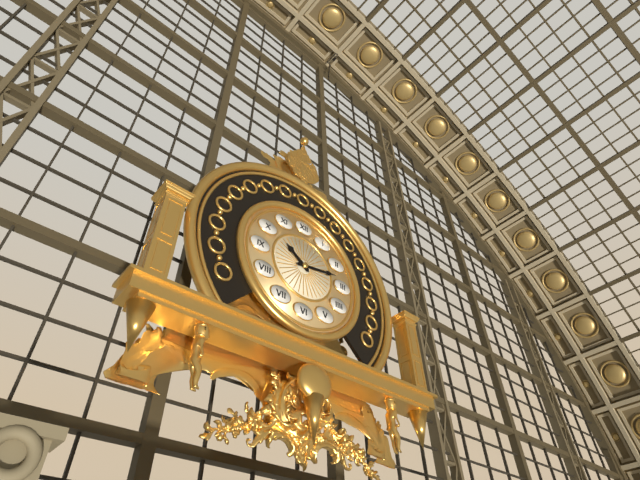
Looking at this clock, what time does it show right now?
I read 10:13
